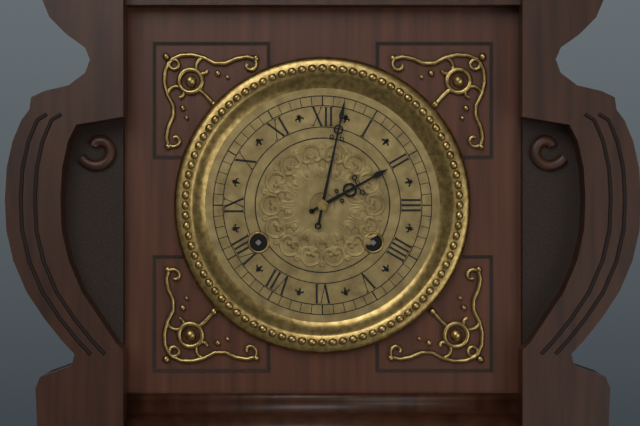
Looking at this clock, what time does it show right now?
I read 2:02
